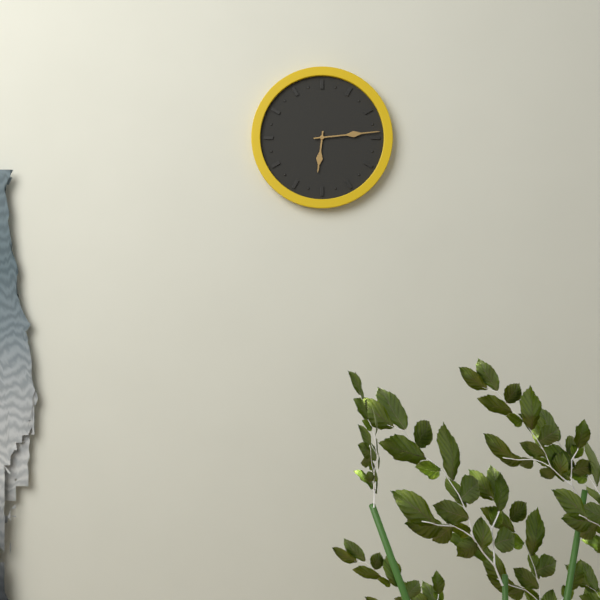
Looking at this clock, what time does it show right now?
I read 6:14
